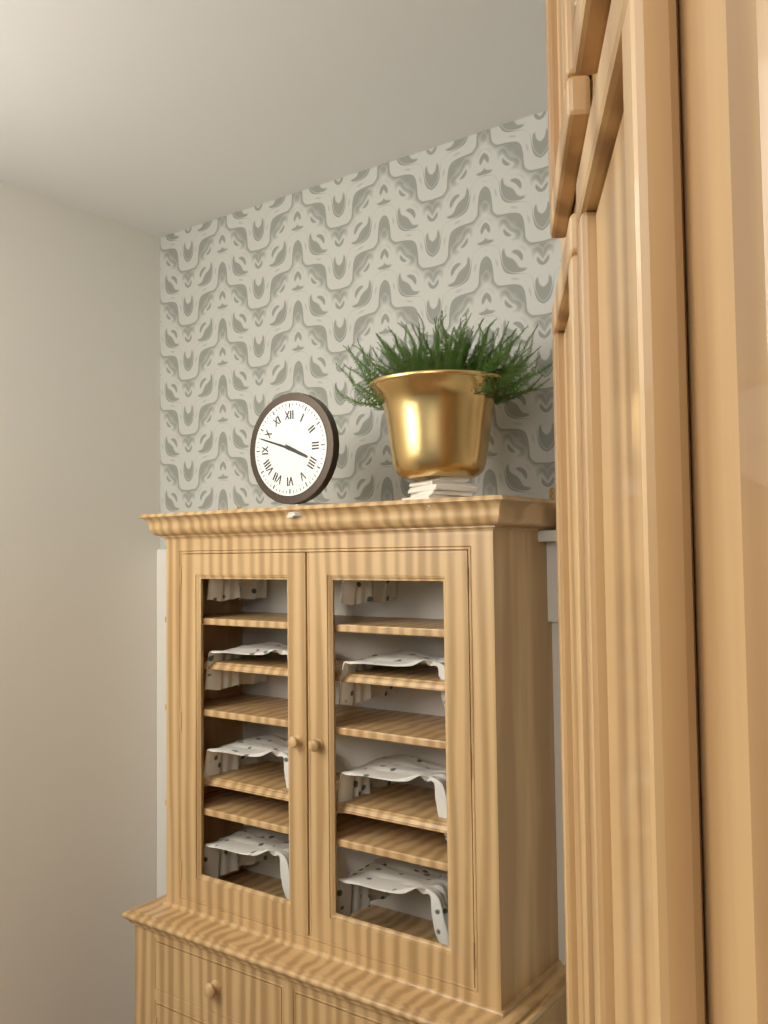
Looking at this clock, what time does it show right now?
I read 3:48
